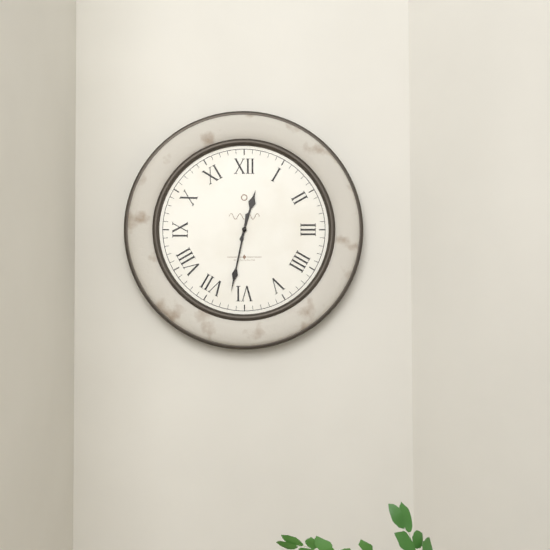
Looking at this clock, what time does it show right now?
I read 12:32
